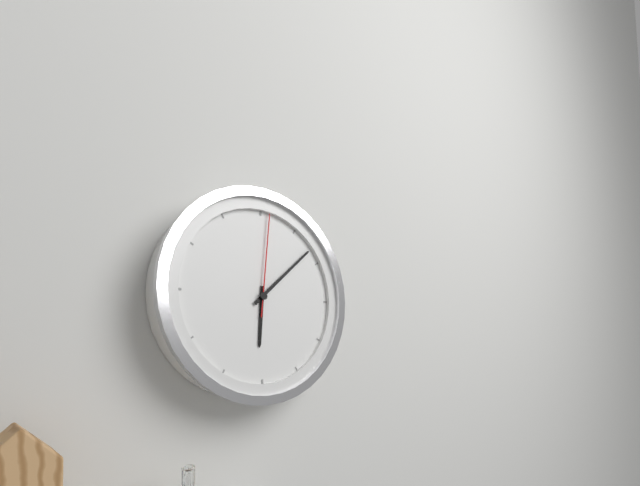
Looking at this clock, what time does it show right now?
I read 6:08:01
